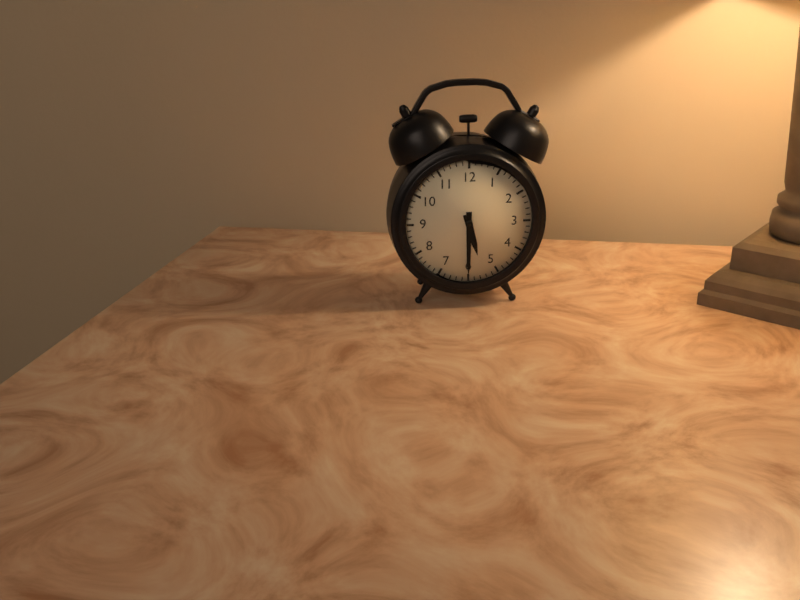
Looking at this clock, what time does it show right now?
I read 5:30
